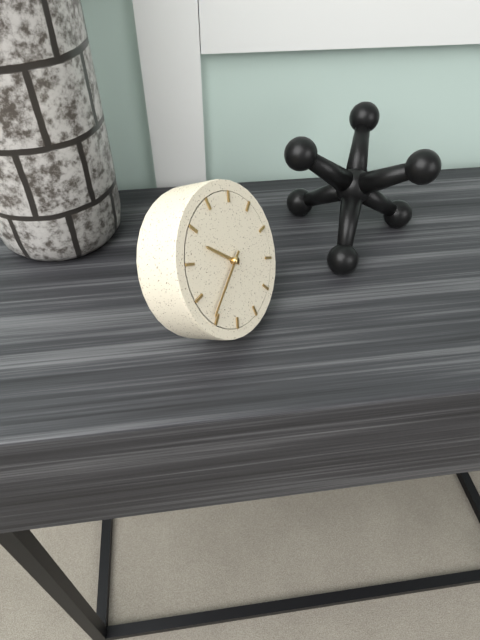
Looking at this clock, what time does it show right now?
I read 10:41
